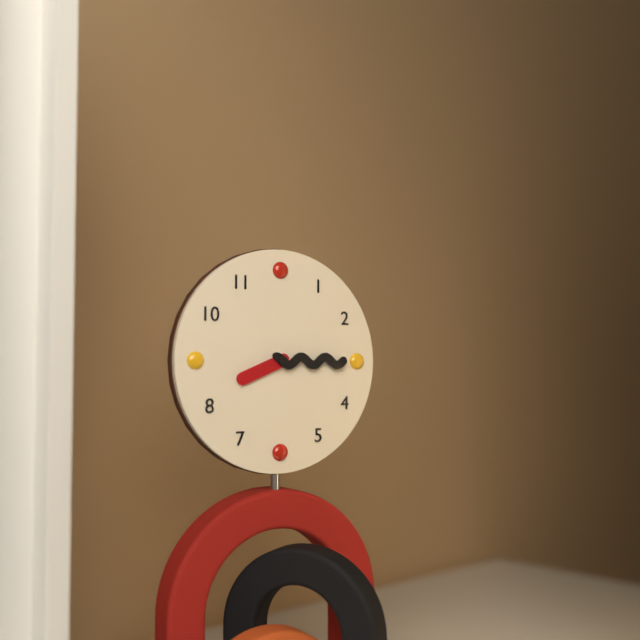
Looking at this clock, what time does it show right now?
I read 8:15
